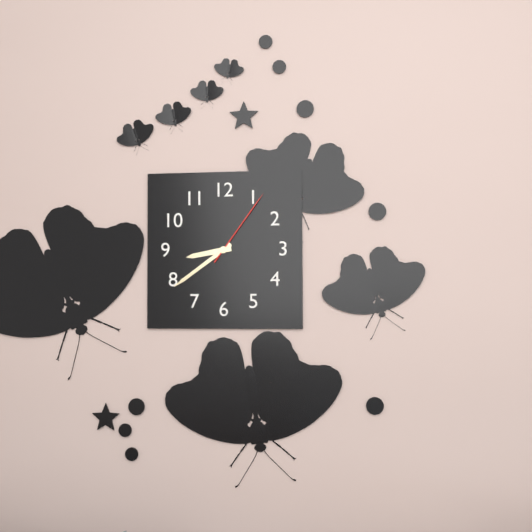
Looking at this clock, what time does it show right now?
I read 8:39:06
